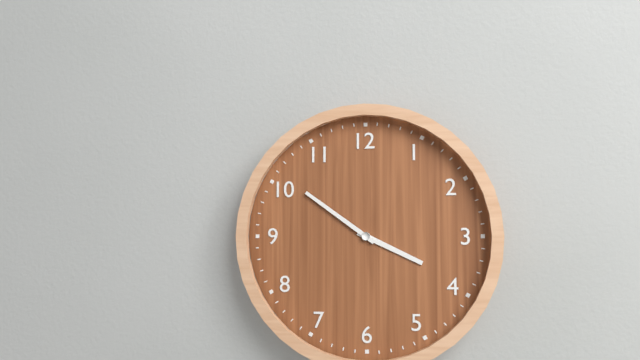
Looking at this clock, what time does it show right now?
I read 3:51
